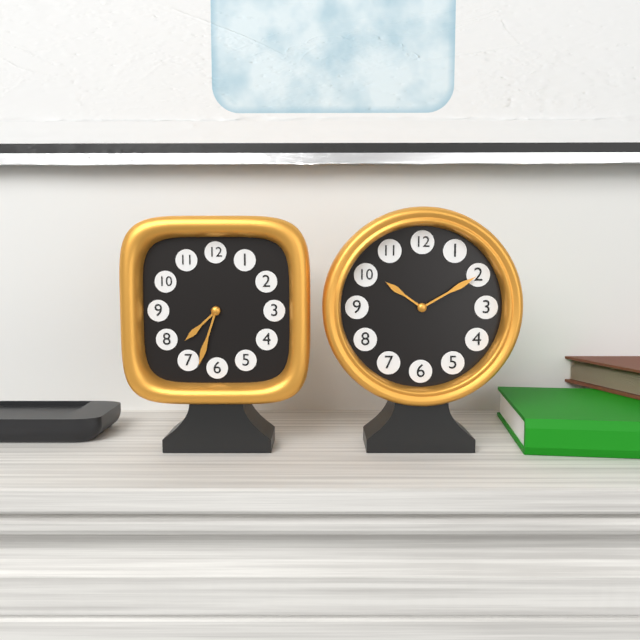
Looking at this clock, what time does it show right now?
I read 7:33
